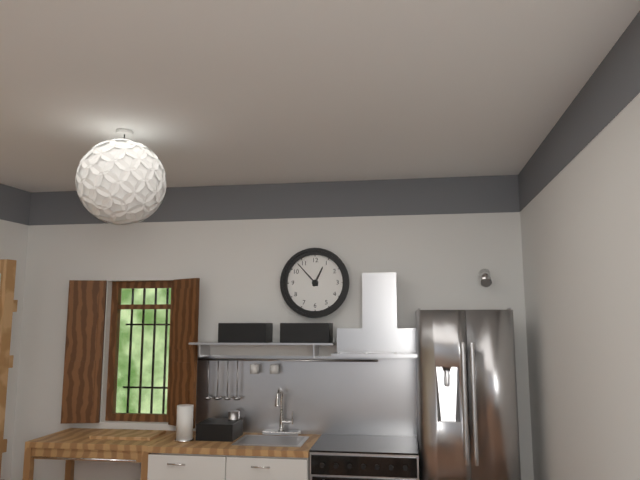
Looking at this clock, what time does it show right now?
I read 12:53
